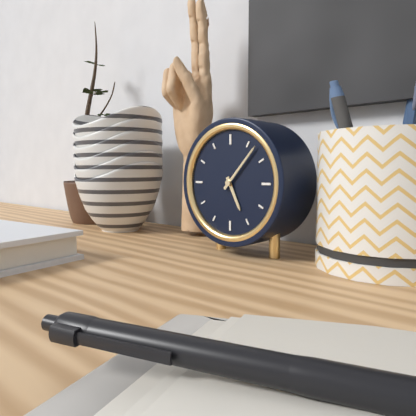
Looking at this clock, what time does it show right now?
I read 5:07
